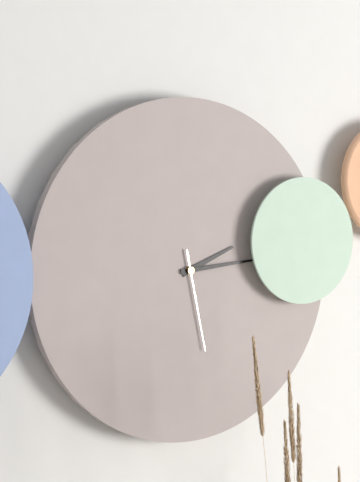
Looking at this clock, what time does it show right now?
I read 2:14:28
